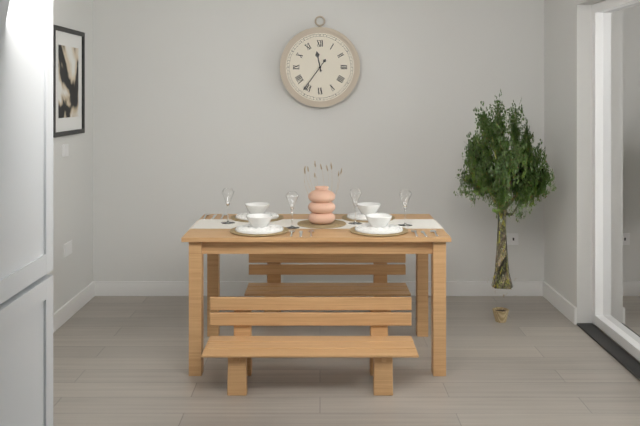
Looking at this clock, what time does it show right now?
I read 11:36
